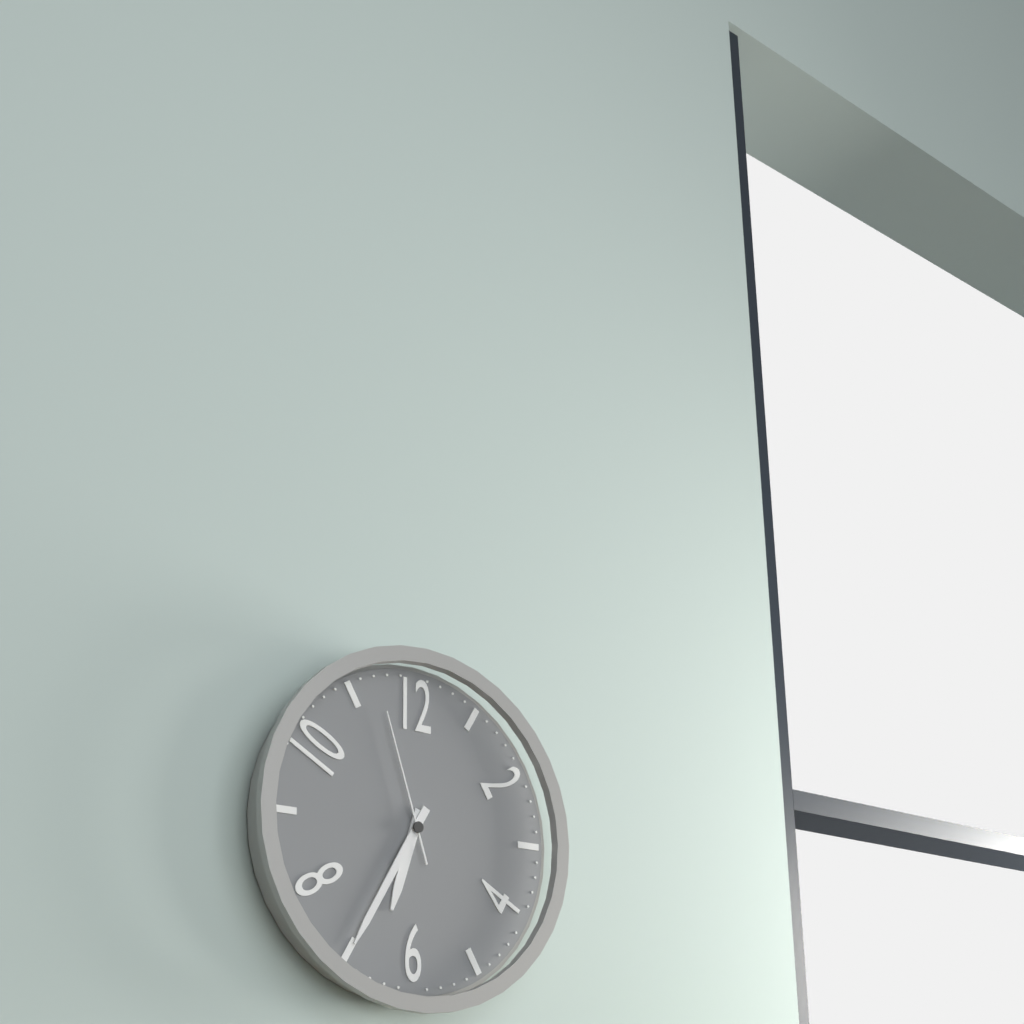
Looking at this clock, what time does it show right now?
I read 6:35:57
